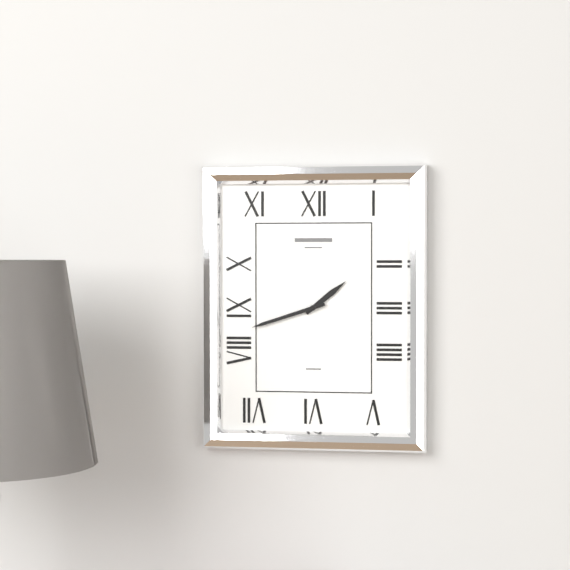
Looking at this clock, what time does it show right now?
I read 1:42
